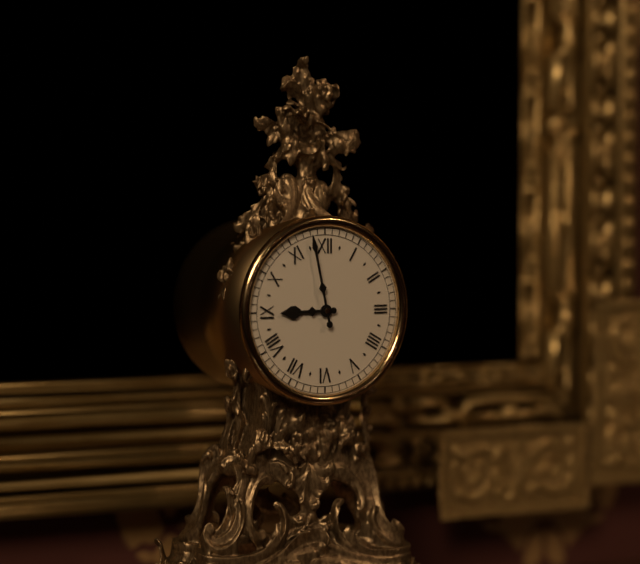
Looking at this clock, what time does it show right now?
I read 8:58
